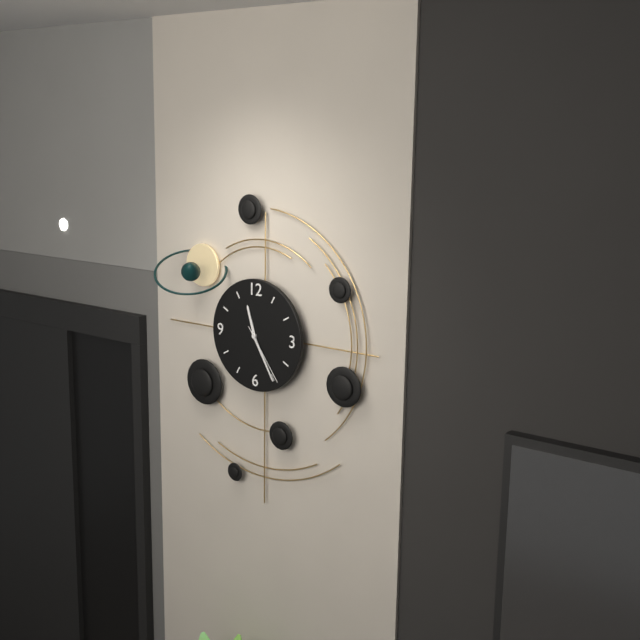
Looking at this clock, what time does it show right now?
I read 11:25:24
